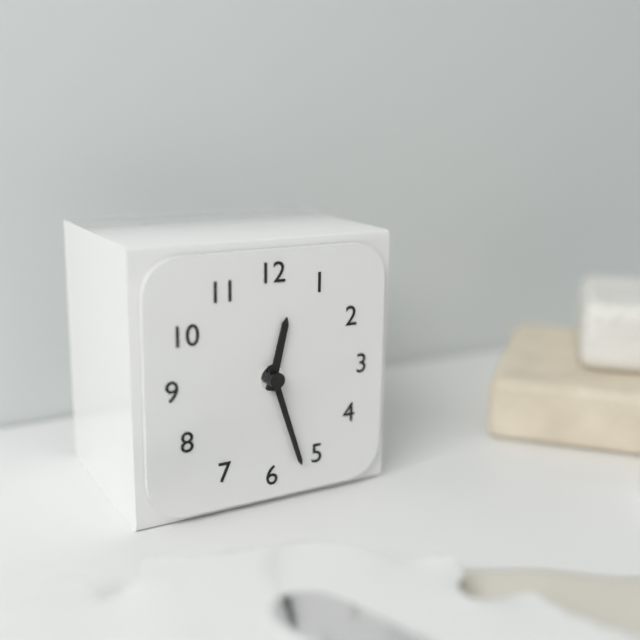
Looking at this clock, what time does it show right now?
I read 12:27
